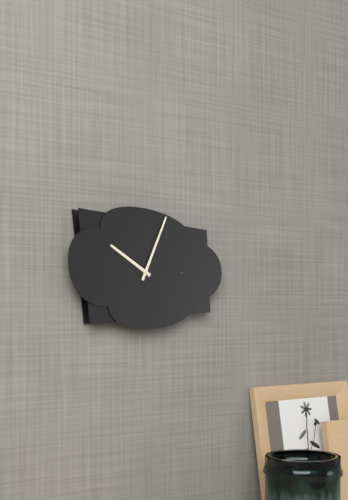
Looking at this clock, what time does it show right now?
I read 10:04
